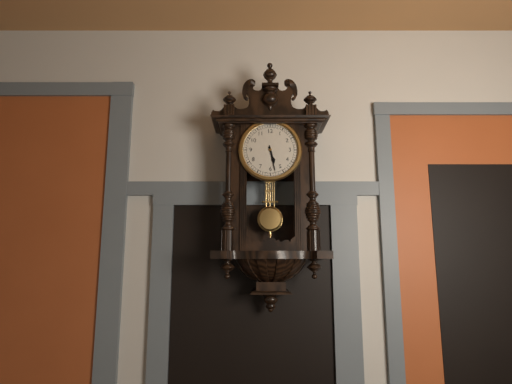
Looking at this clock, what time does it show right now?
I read 5:28
